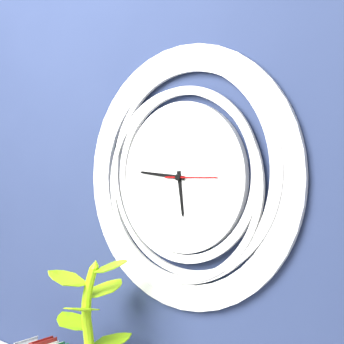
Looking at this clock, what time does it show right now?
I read 5:46:15
